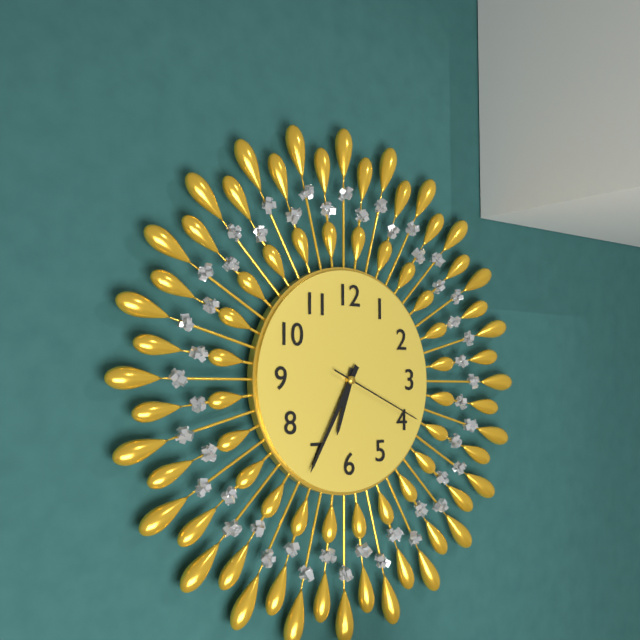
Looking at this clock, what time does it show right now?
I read 6:35:19
